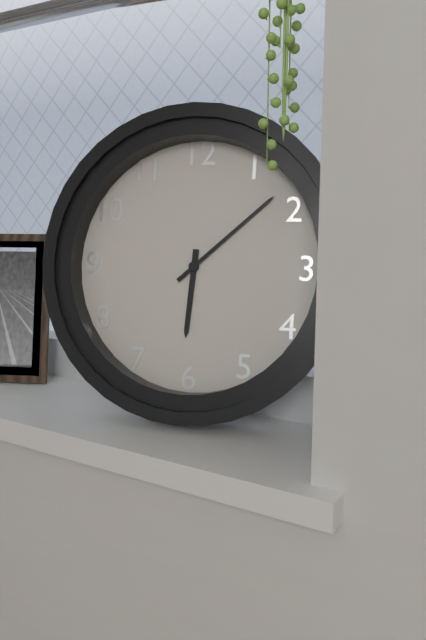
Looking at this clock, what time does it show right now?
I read 6:08
